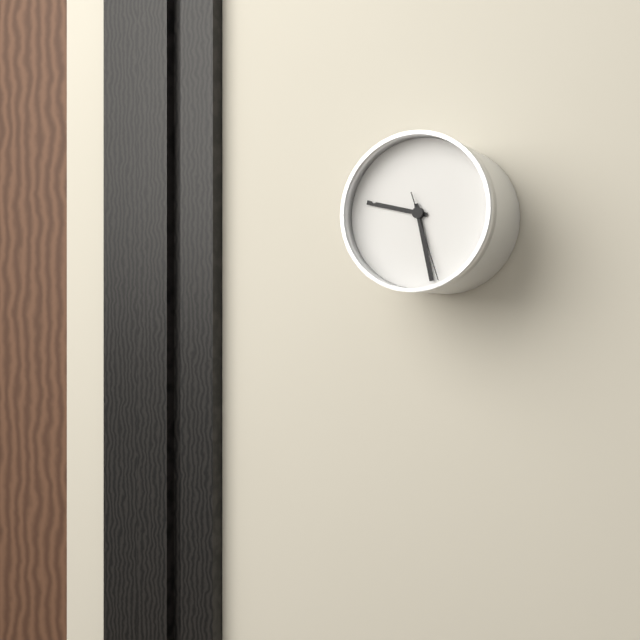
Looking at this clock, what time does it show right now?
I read 9:28:27
